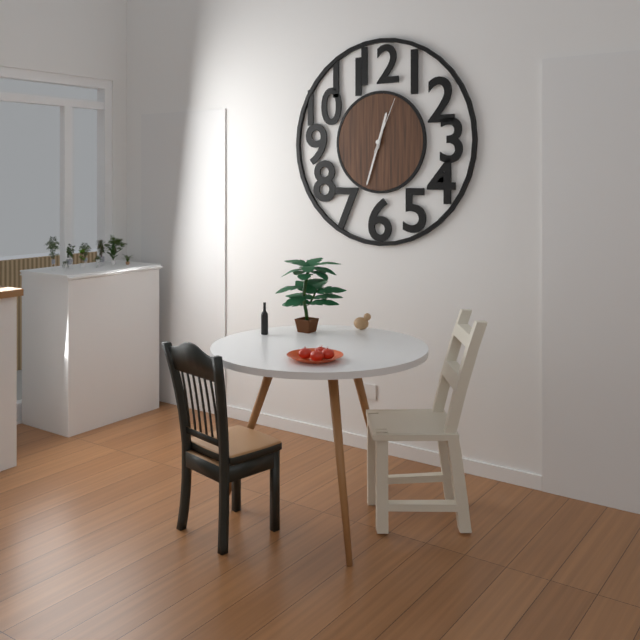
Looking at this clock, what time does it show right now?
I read 12:33:04
